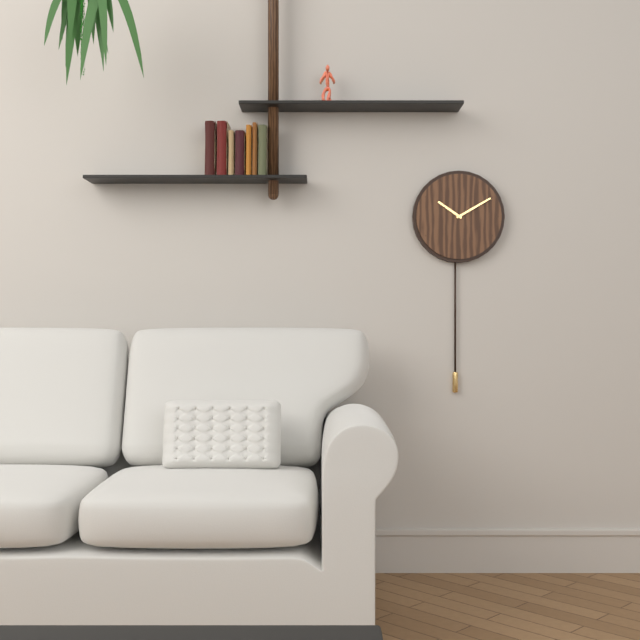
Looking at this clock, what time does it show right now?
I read 10:10
